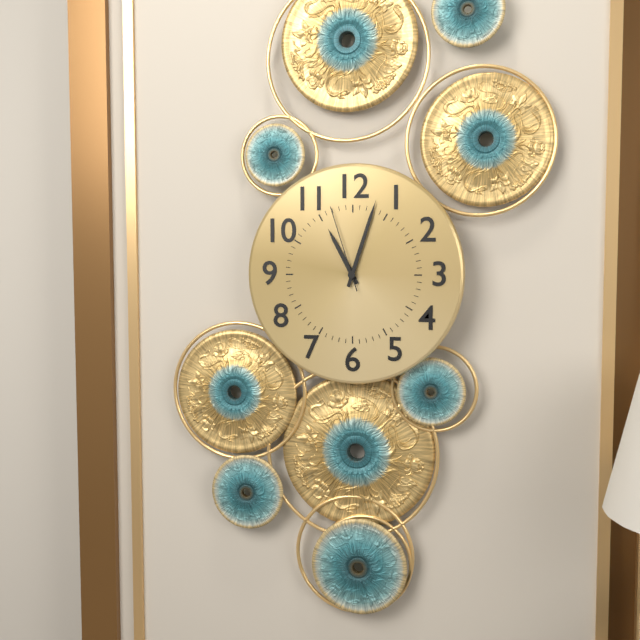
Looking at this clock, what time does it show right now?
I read 11:03:57
